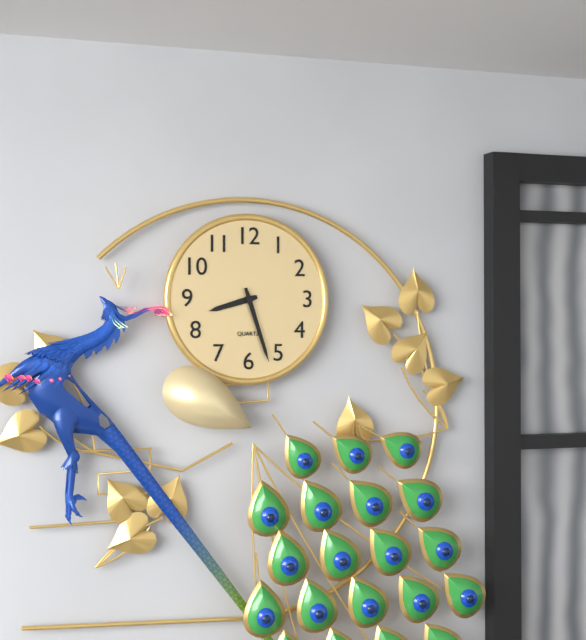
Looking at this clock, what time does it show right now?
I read 8:27
